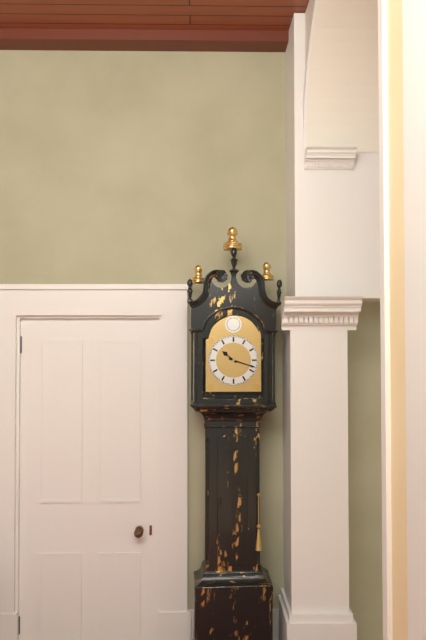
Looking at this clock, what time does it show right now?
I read 10:18
